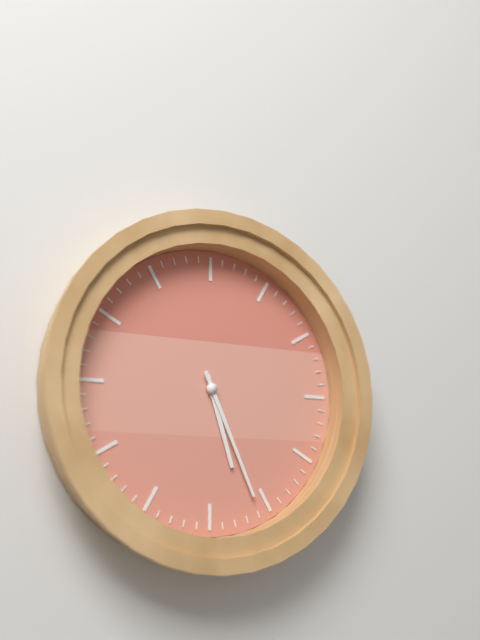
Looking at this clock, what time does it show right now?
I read 5:26
